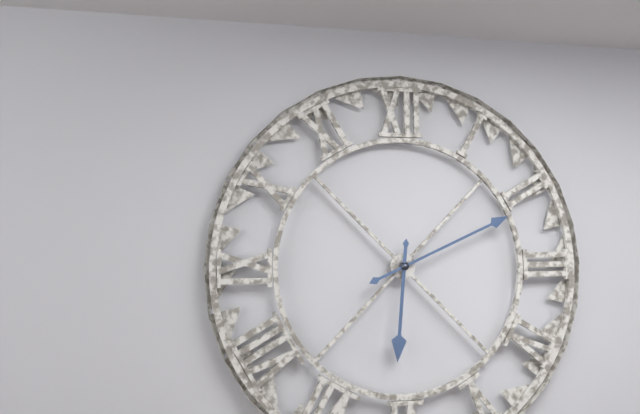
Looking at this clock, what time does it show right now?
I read 6:11
